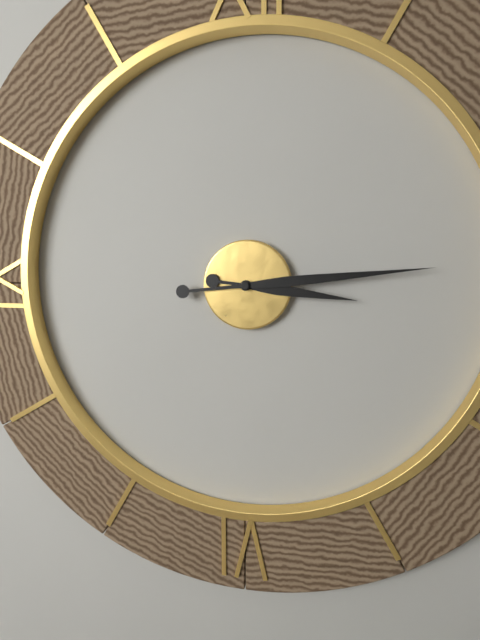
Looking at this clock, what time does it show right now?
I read 3:14
